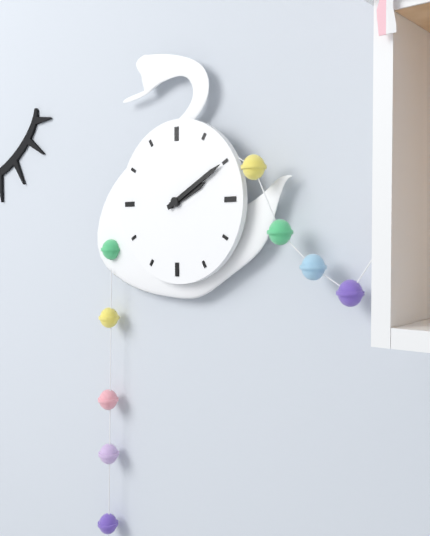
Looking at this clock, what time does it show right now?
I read 2:10
